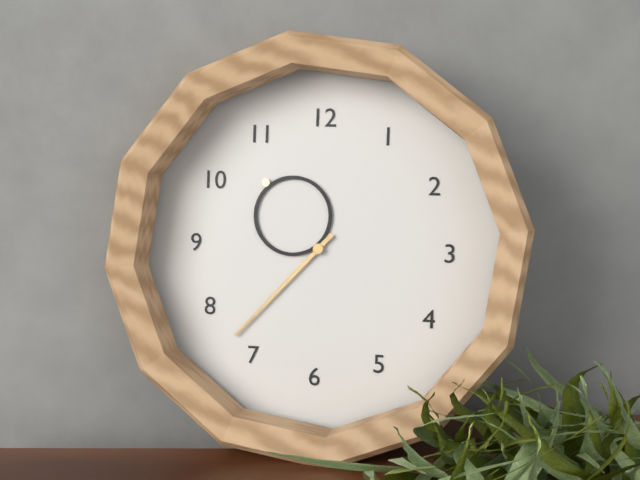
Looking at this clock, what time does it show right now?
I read 10:37
